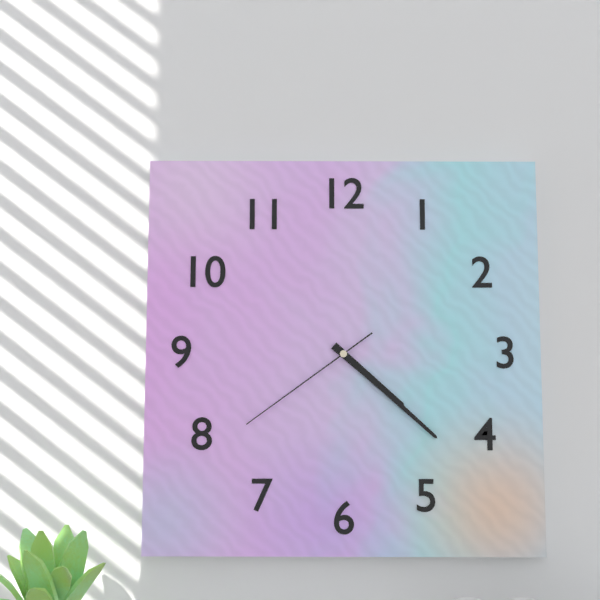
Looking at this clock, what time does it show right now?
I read 4:22:39
